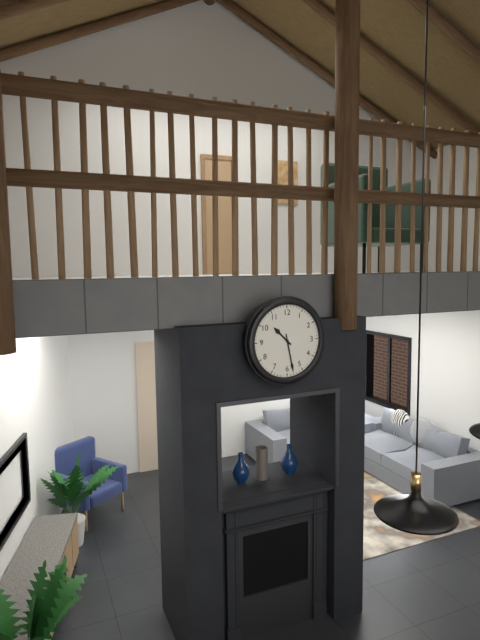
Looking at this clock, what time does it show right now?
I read 10:28
